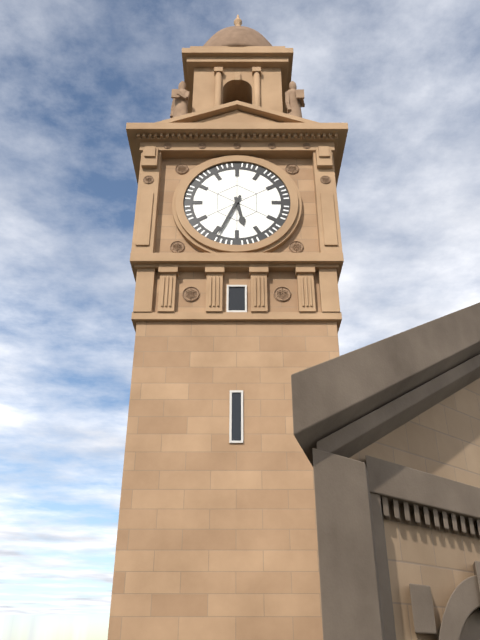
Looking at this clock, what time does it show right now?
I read 5:34
